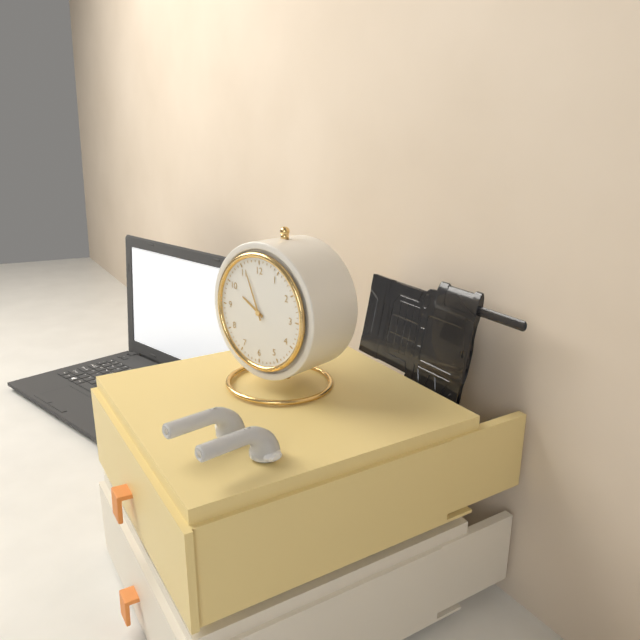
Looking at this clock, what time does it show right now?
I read 9:56
